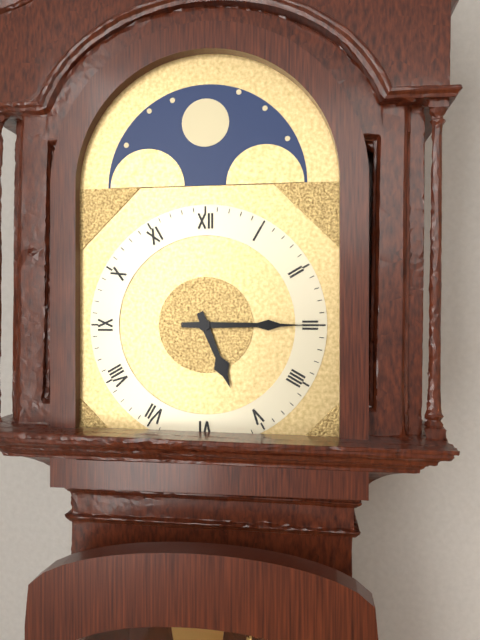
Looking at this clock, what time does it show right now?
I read 5:15
